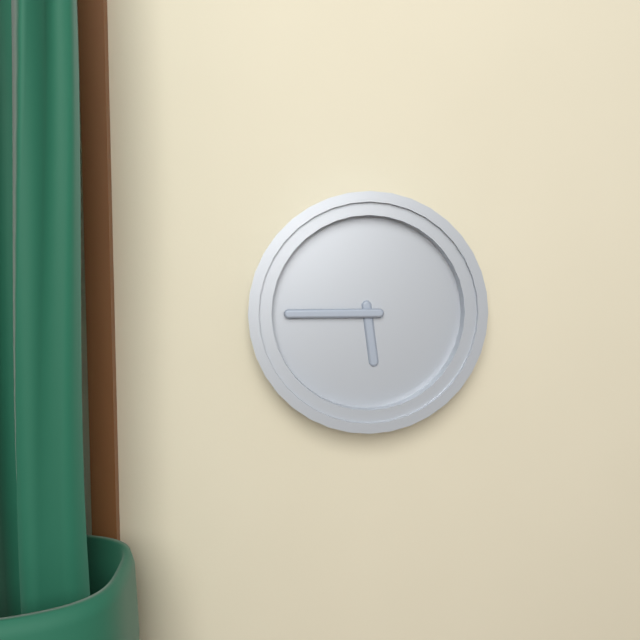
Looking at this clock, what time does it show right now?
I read 5:45
